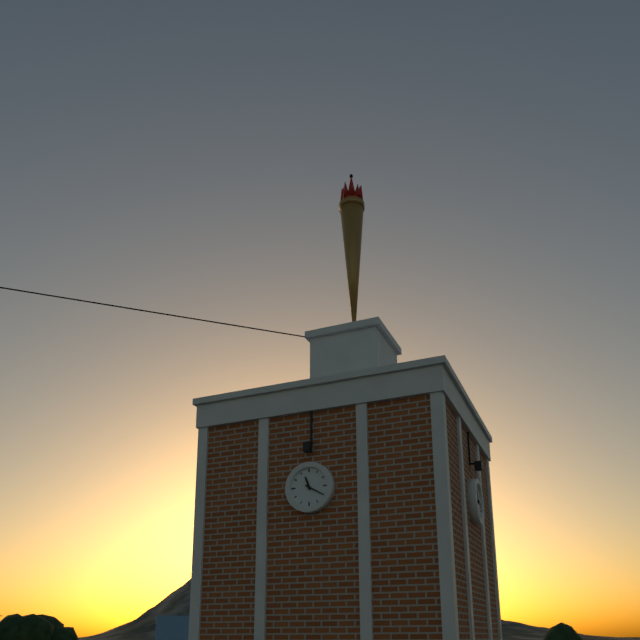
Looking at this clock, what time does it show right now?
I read 11:20
